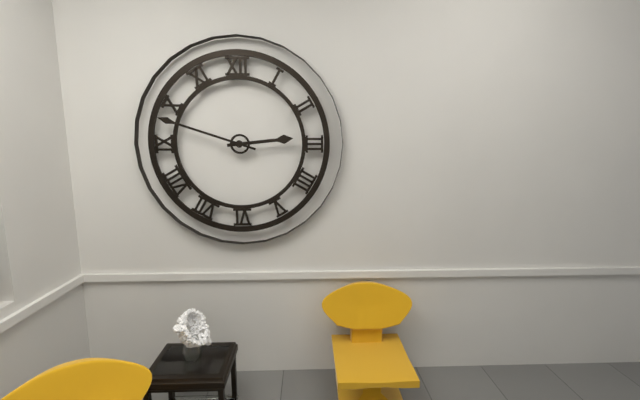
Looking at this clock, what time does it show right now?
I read 2:48
